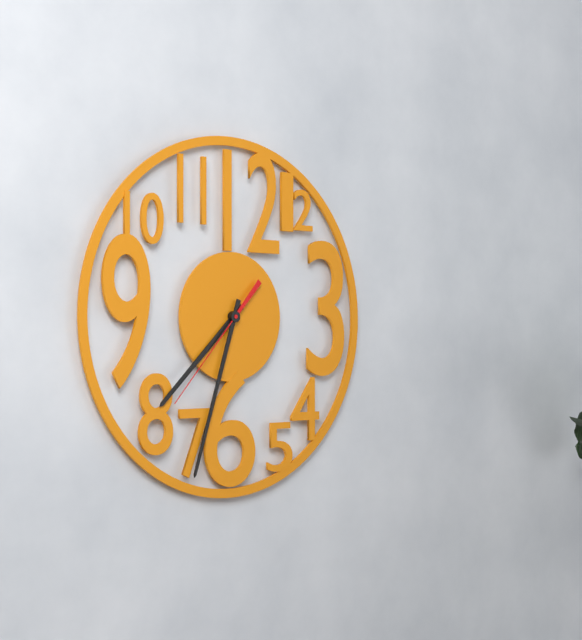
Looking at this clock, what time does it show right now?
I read 7:33:37
